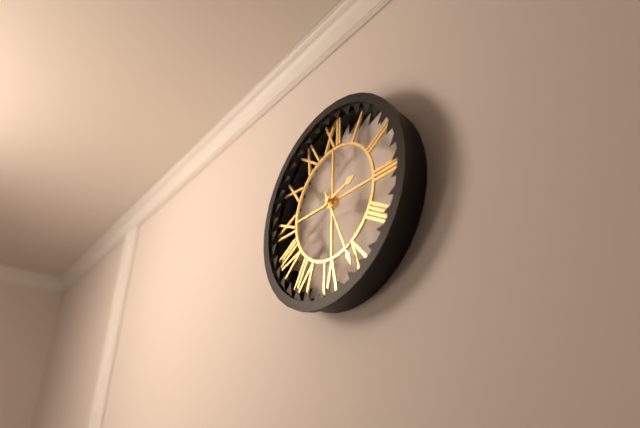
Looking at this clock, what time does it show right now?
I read 2:26
